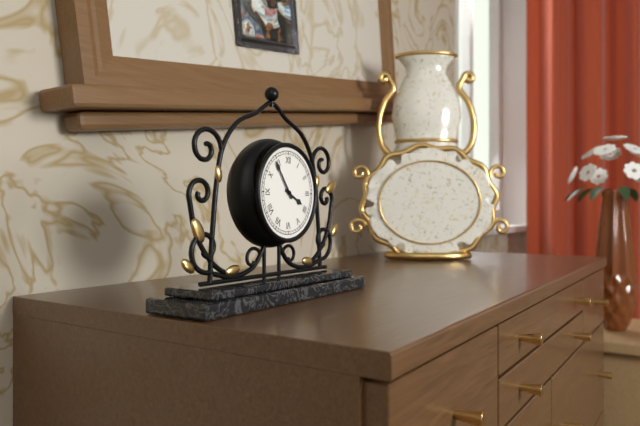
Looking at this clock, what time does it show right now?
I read 3:54
